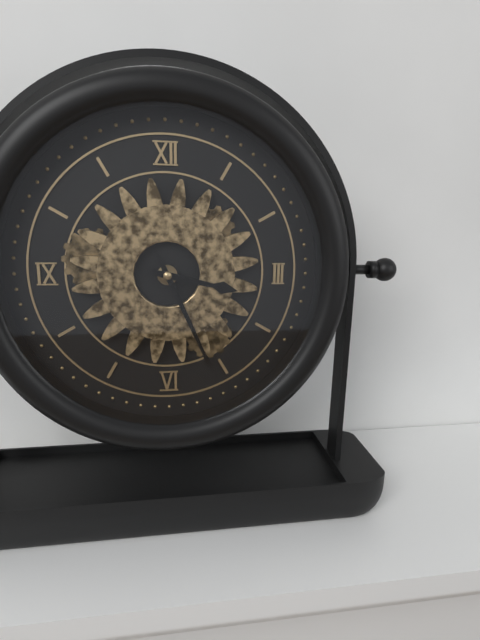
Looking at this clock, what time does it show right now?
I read 3:26
